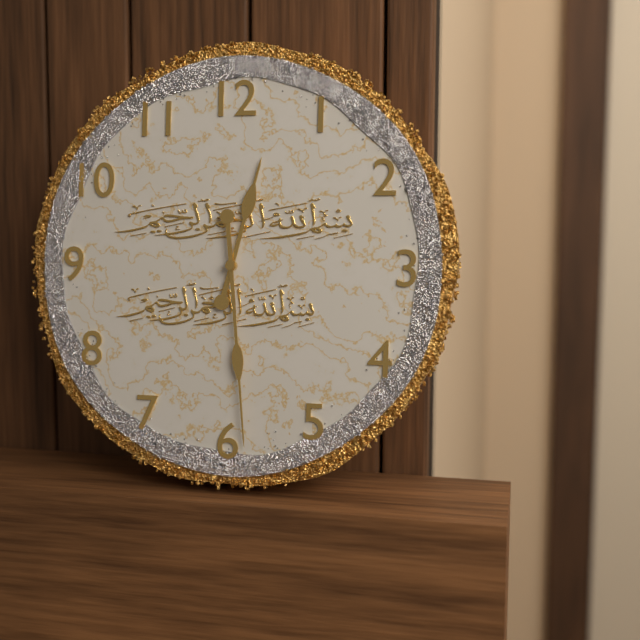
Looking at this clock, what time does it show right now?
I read 12:29
